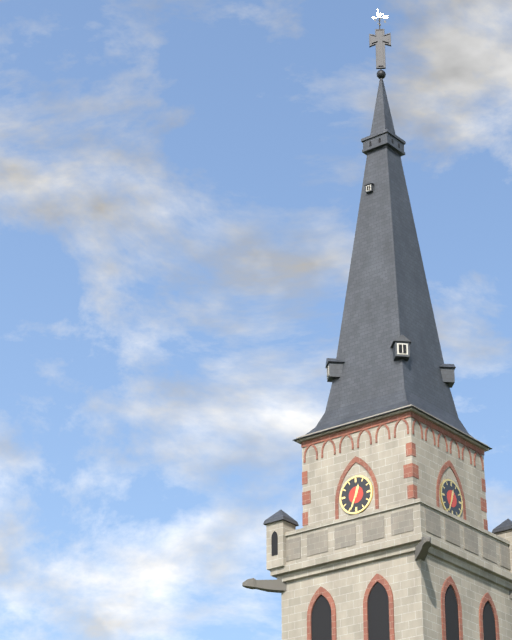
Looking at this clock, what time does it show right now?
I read 12:34
